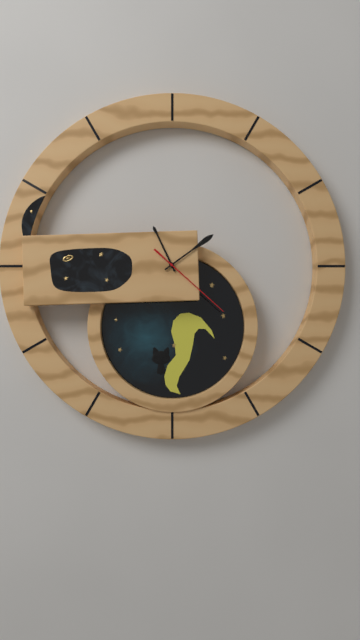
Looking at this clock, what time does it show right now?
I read 11:09:22
